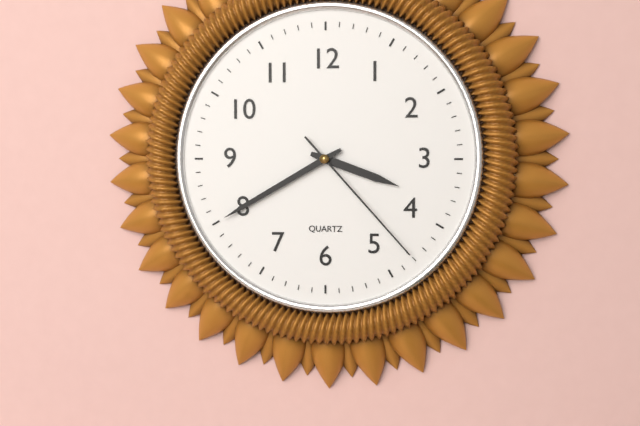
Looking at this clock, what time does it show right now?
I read 3:40:23
